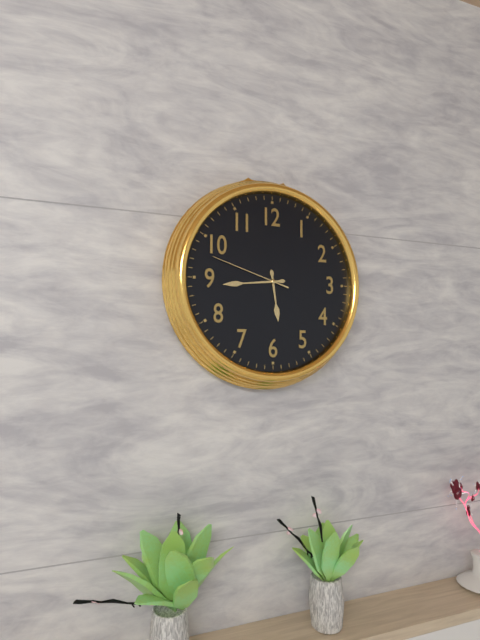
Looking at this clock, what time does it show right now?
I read 5:44:48
